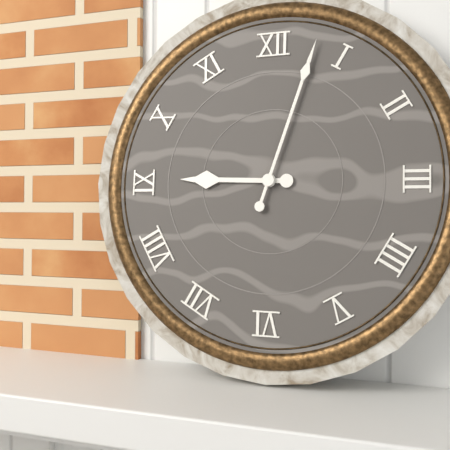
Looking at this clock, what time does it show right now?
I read 9:03
